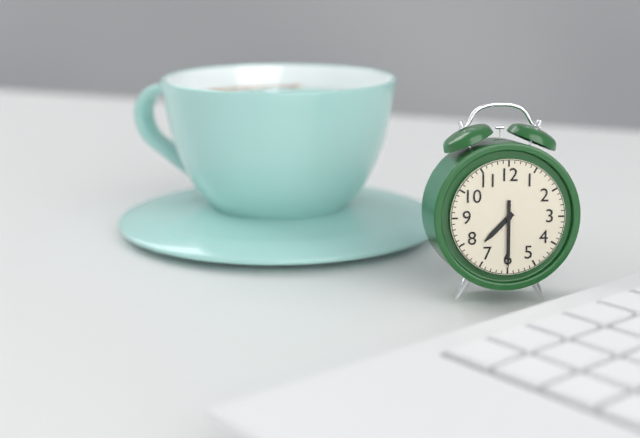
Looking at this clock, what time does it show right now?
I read 7:30
